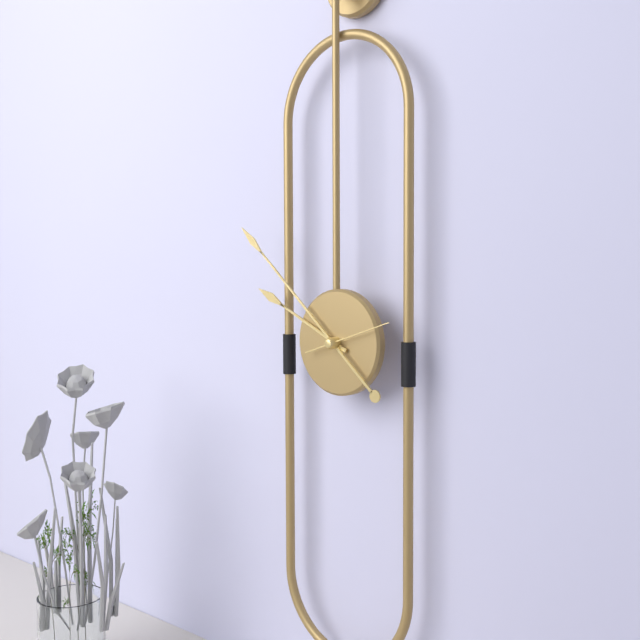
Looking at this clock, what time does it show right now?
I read 9:52
